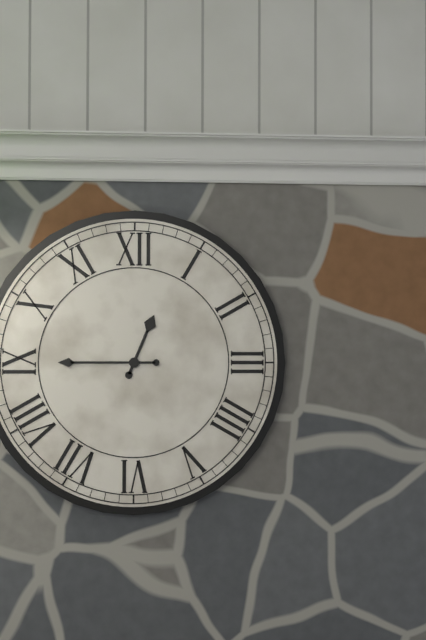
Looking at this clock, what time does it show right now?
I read 12:45
